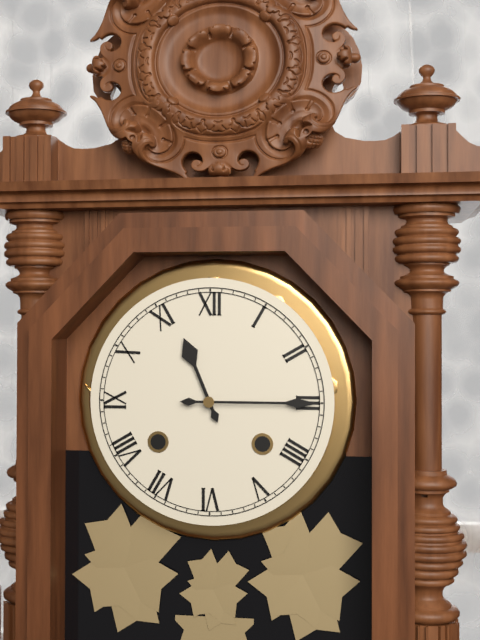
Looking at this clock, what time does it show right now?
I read 11:15
